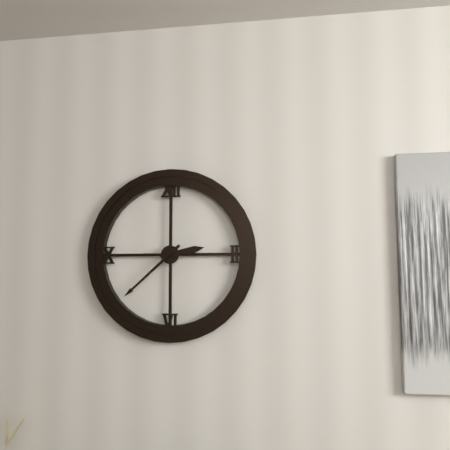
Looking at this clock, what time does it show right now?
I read 2:38
